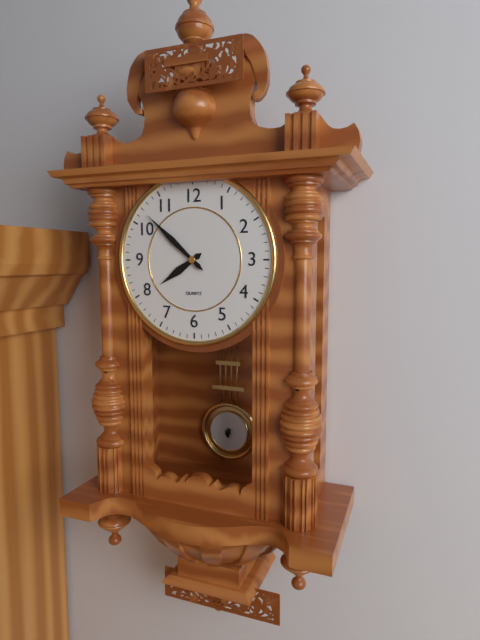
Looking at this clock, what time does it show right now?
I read 7:52
